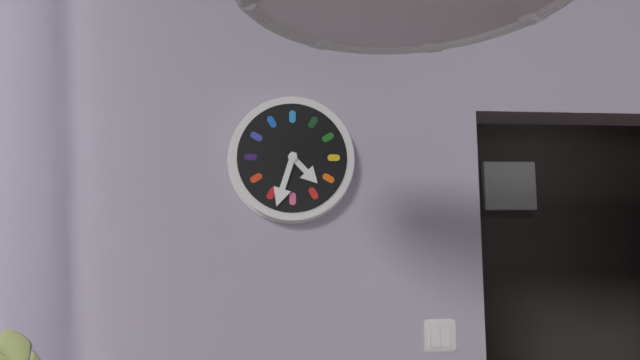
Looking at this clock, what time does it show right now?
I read 4:33
